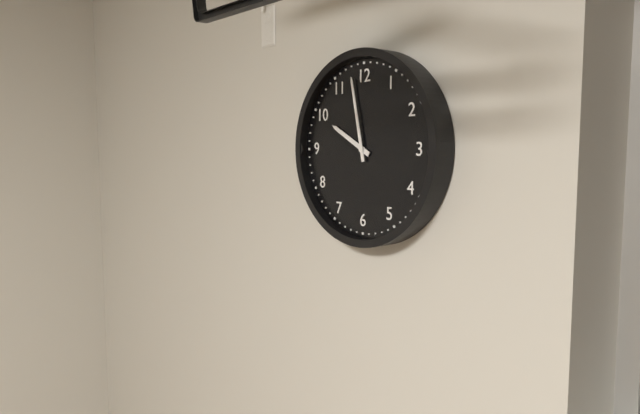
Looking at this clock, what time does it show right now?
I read 9:58
